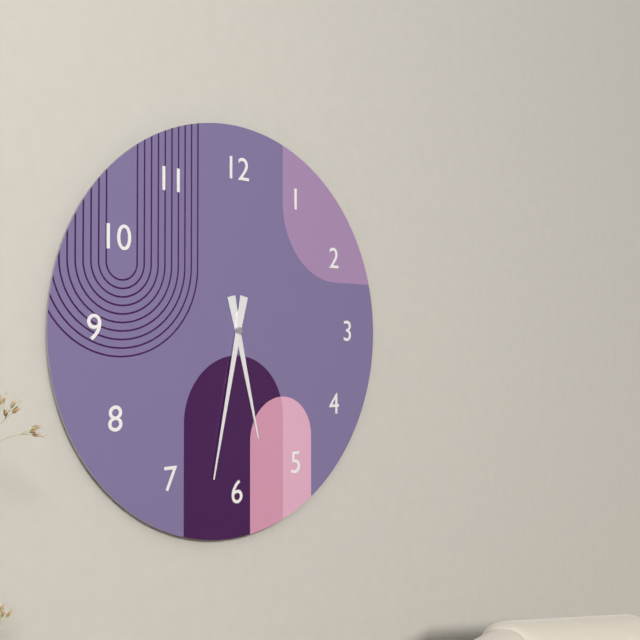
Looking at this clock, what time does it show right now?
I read 5:32
